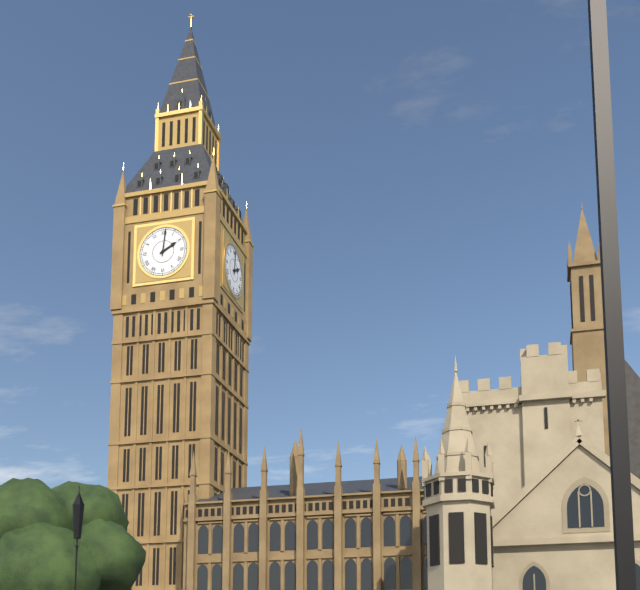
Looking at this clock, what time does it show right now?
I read 2:01
